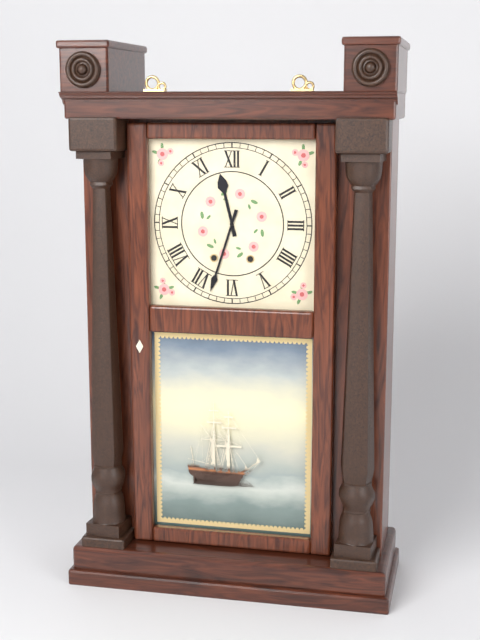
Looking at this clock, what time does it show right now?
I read 11:33
